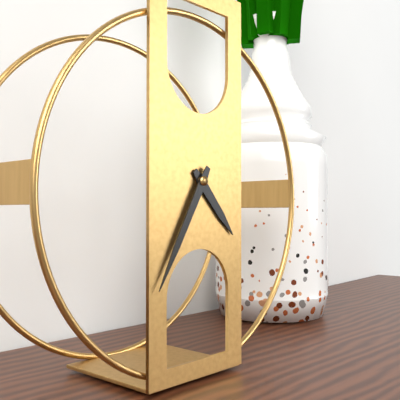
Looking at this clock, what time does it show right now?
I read 4:35
